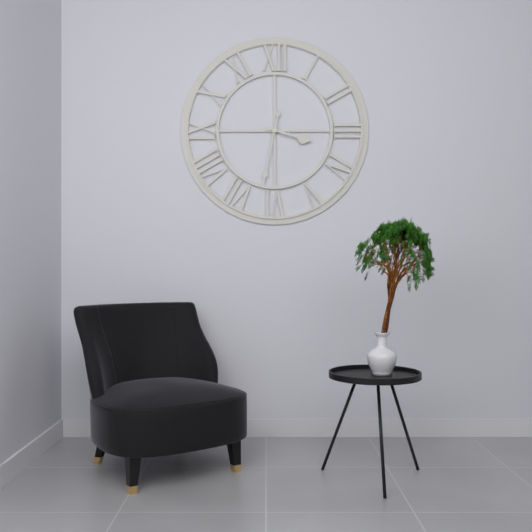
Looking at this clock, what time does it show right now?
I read 3:32
